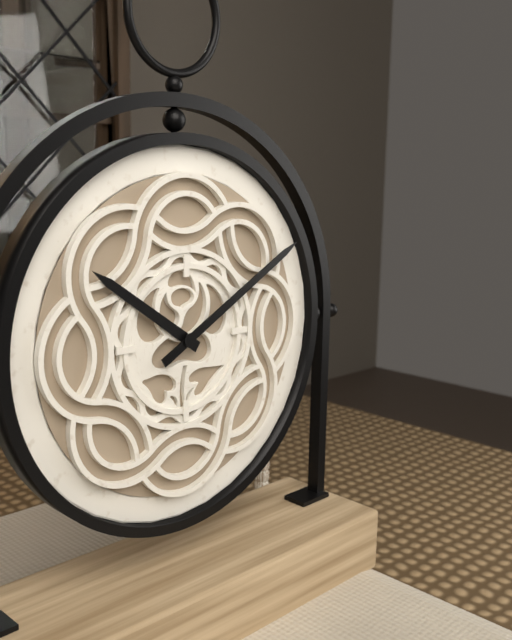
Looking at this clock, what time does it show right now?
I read 10:10
